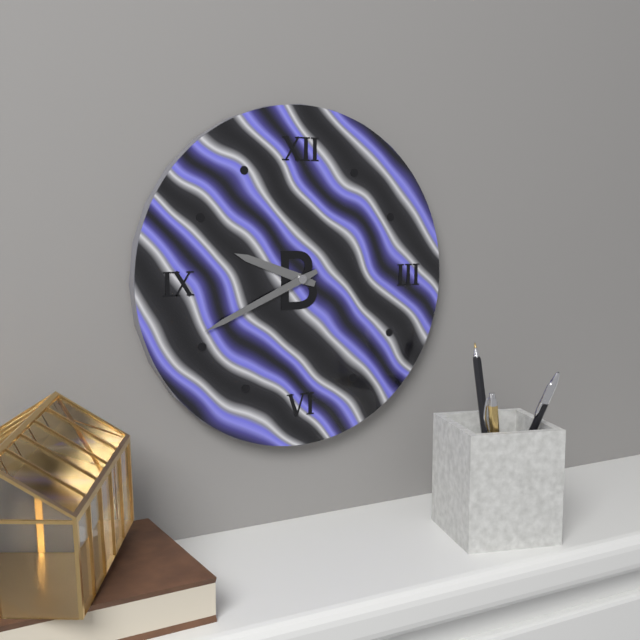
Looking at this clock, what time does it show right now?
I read 9:41
